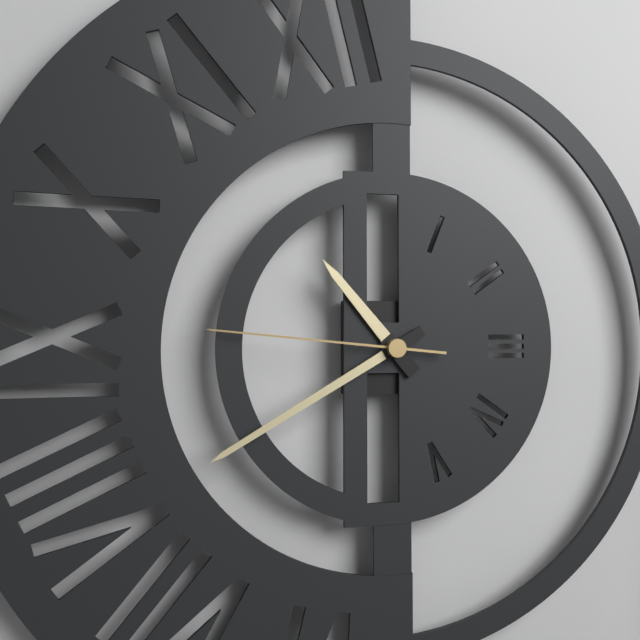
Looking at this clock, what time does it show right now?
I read 10:40:46
